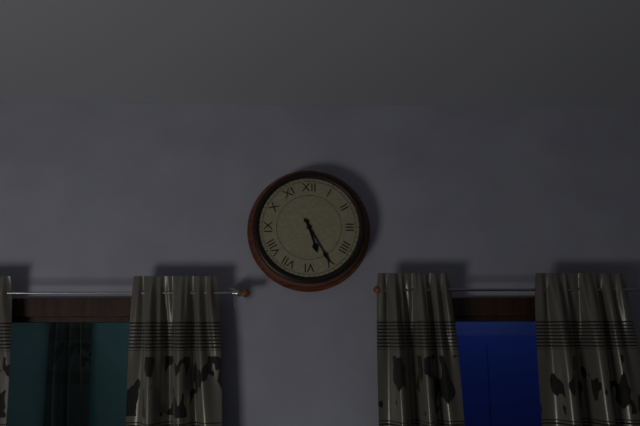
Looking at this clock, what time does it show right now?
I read 5:25
